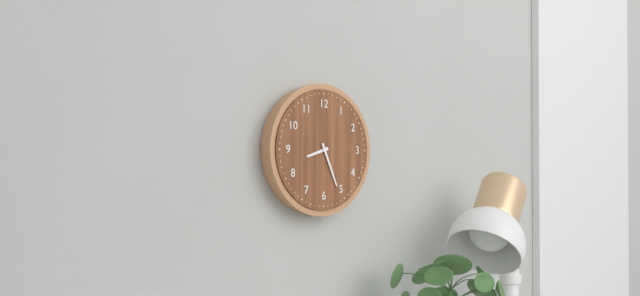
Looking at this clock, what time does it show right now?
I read 8:26
